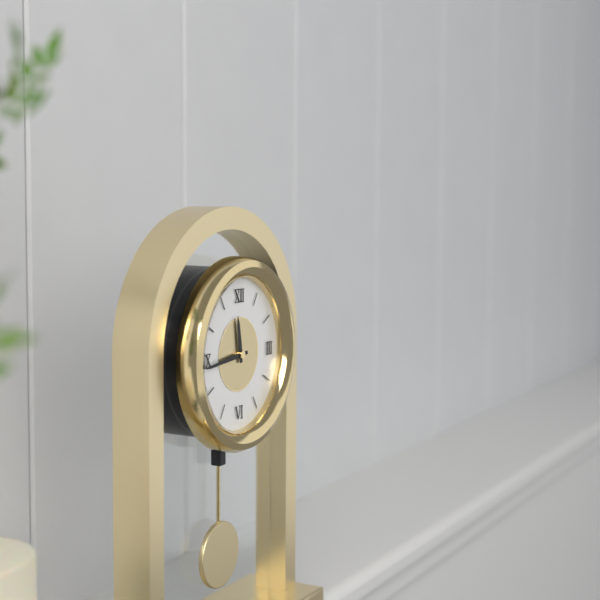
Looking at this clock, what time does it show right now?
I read 11:44
